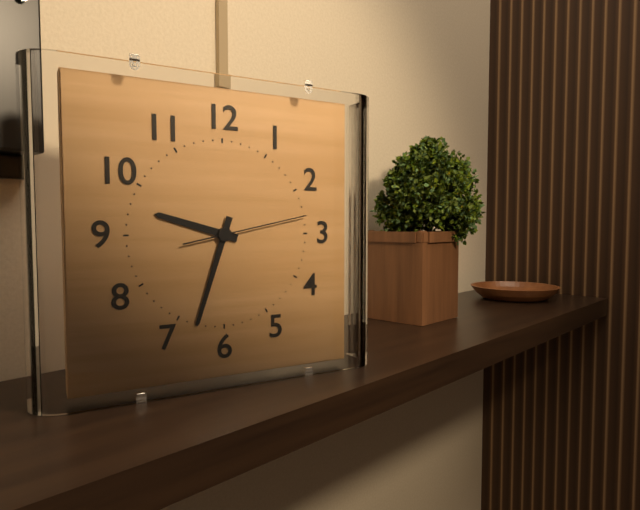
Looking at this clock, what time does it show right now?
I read 9:33:13
